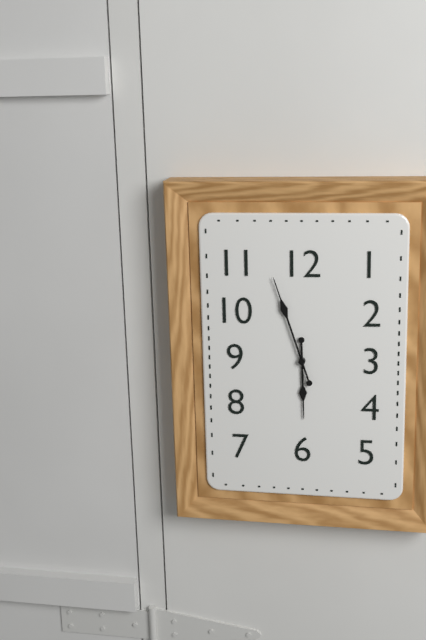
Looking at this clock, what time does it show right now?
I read 5:57
